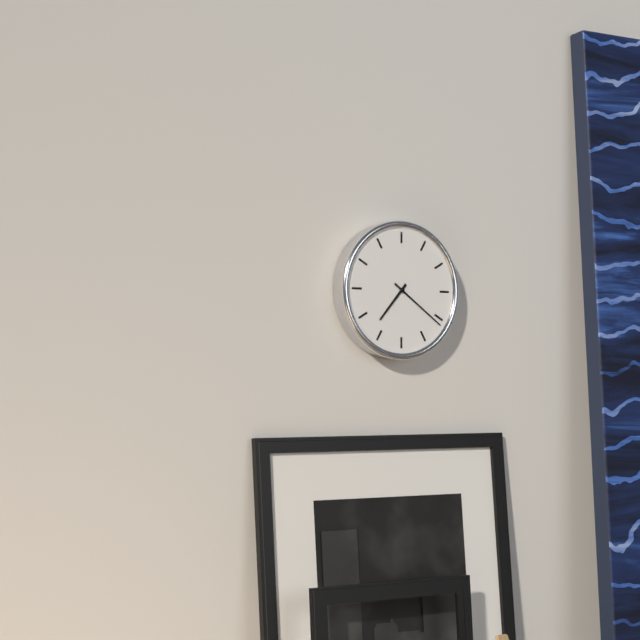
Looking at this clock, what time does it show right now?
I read 7:21
